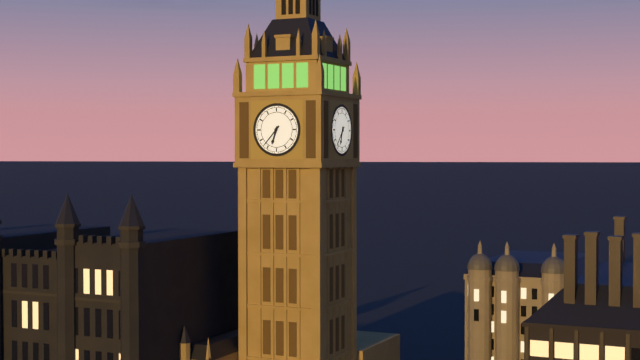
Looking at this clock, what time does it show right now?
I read 6:37
